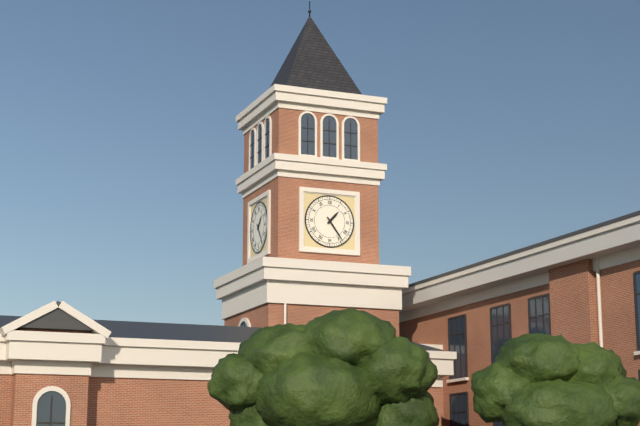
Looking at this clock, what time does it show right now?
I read 1:24
